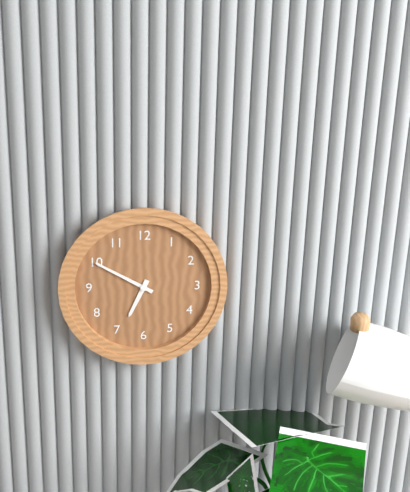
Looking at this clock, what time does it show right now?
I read 6:50
